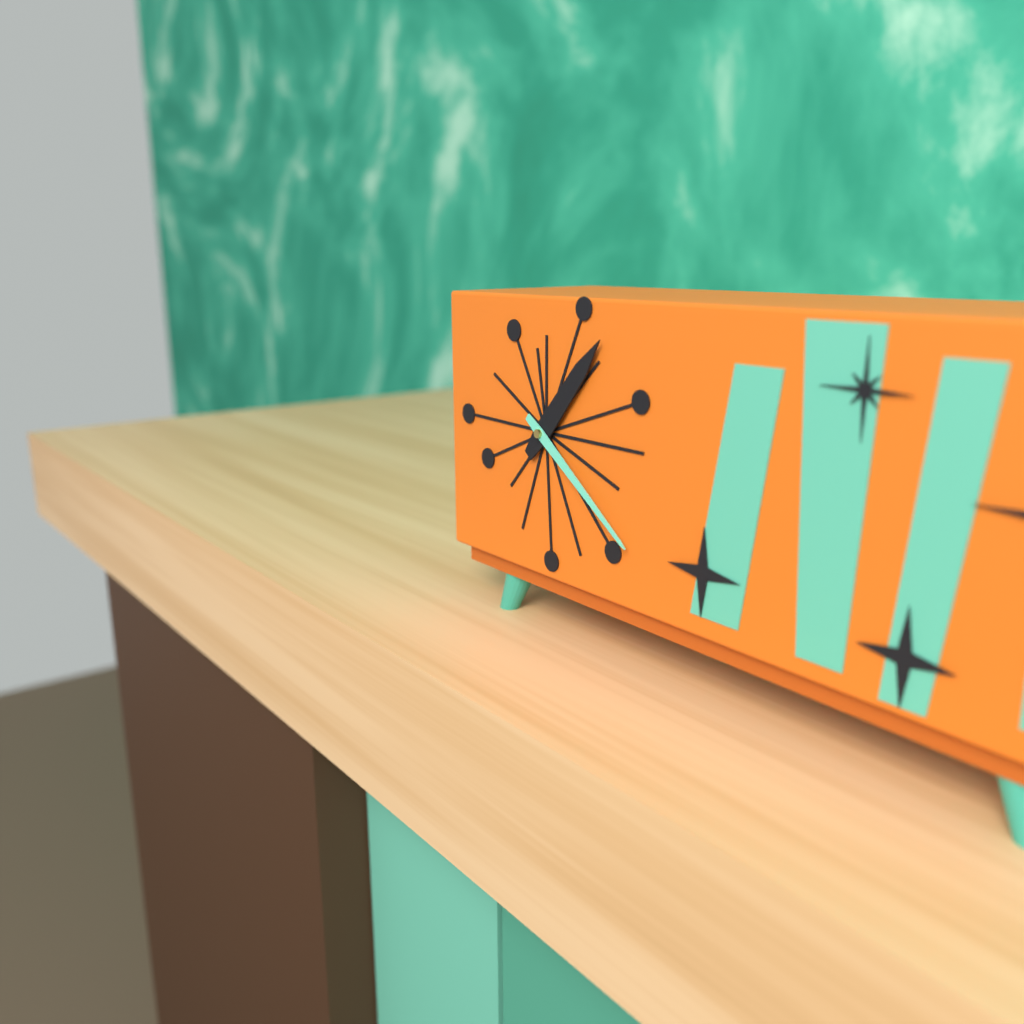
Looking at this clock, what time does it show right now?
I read 1:21
